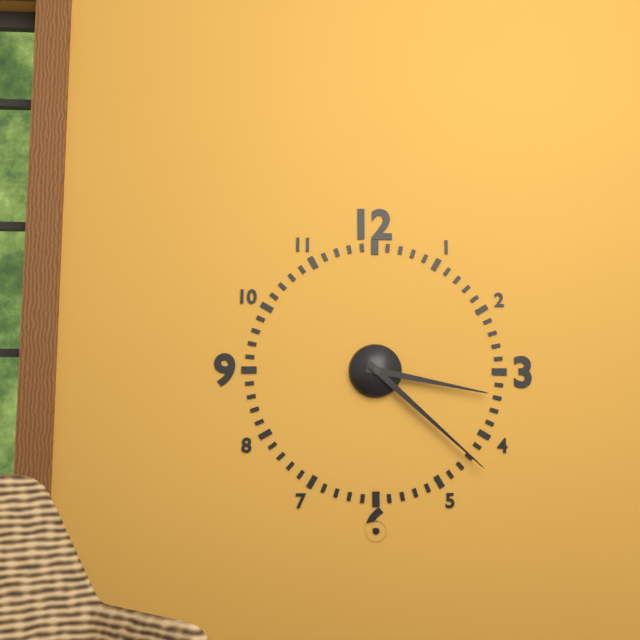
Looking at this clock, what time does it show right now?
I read 3:22
